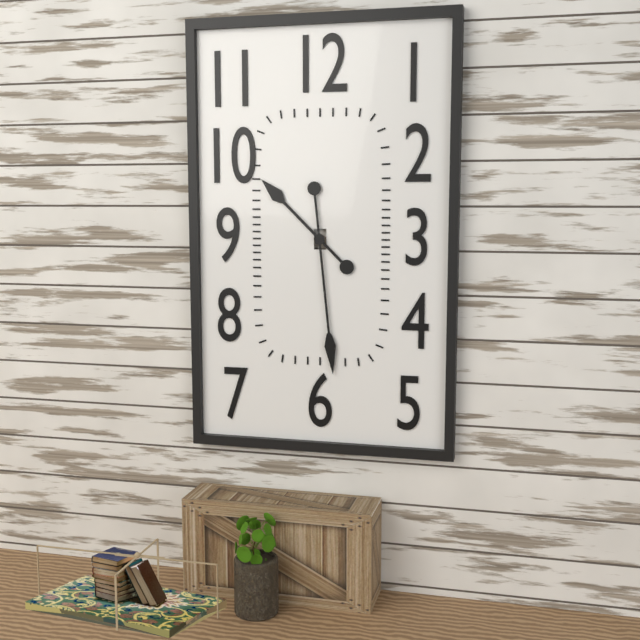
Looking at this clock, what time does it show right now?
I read 10:29
